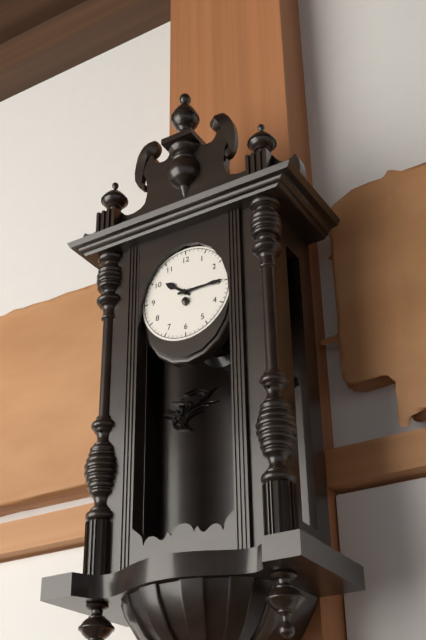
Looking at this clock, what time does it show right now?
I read 10:15
